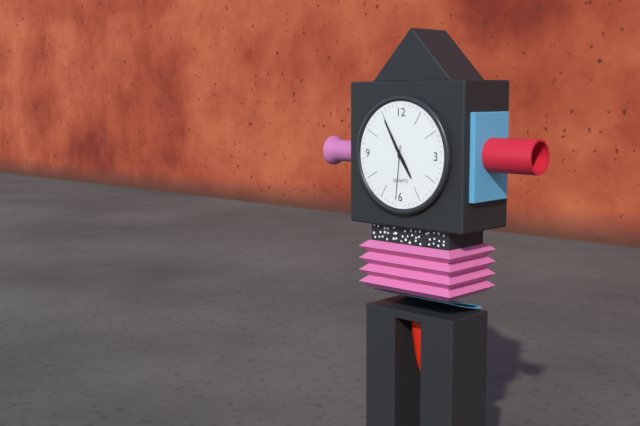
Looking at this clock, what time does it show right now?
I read 4:55:31
